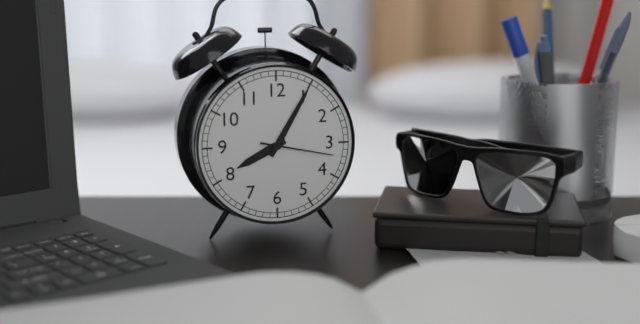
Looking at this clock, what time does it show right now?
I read 8:05:17
